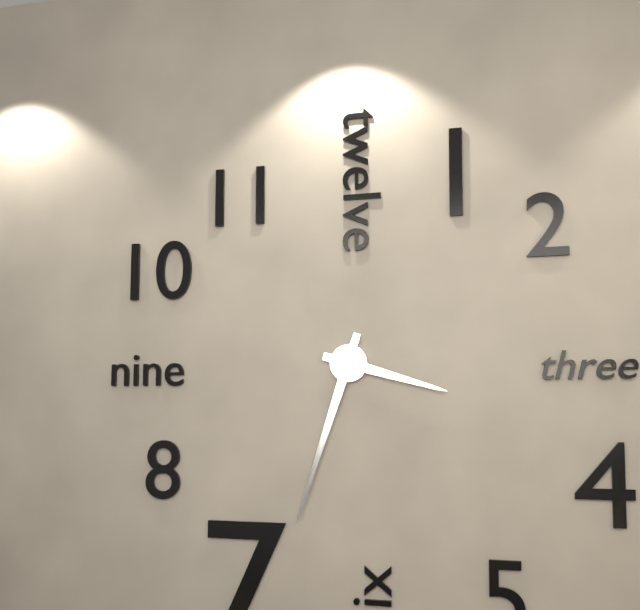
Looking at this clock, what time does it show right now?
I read 3:33
